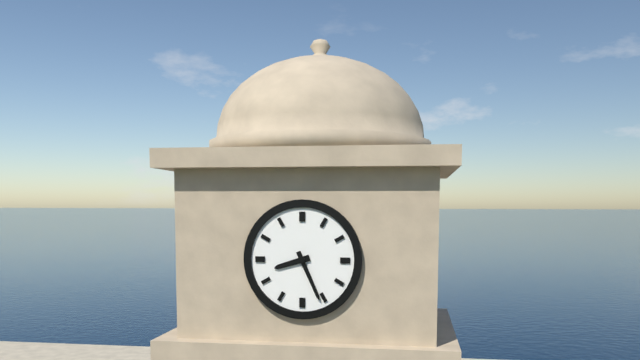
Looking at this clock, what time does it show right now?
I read 8:26
